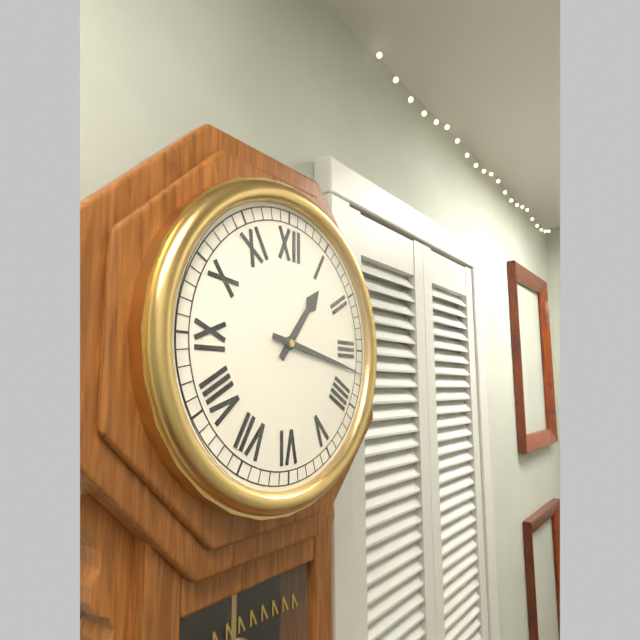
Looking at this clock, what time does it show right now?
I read 1:17
